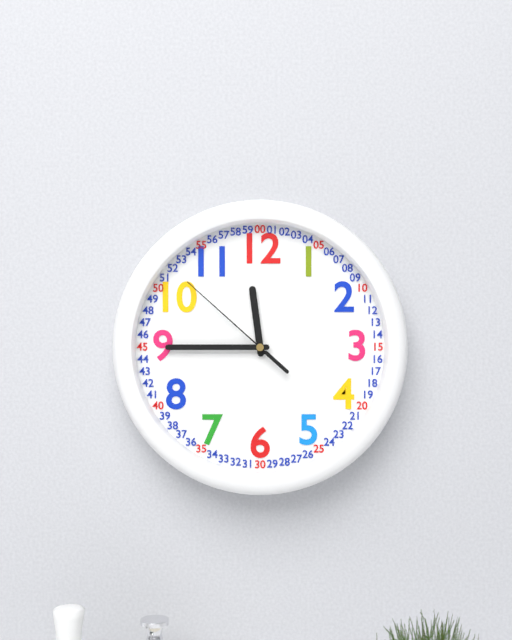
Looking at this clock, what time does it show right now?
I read 11:45:52
